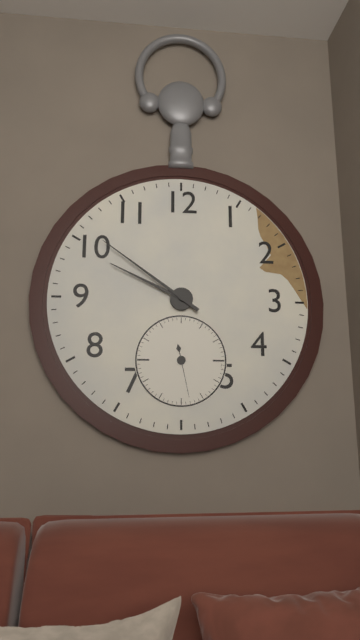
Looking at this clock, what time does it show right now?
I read 9:51
